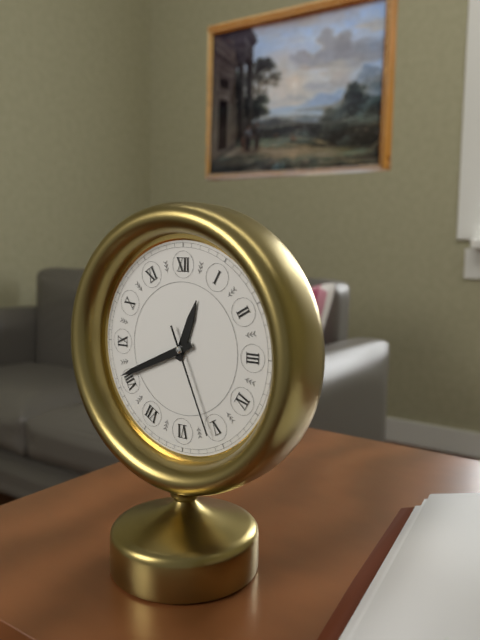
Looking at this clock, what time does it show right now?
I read 12:41:26
